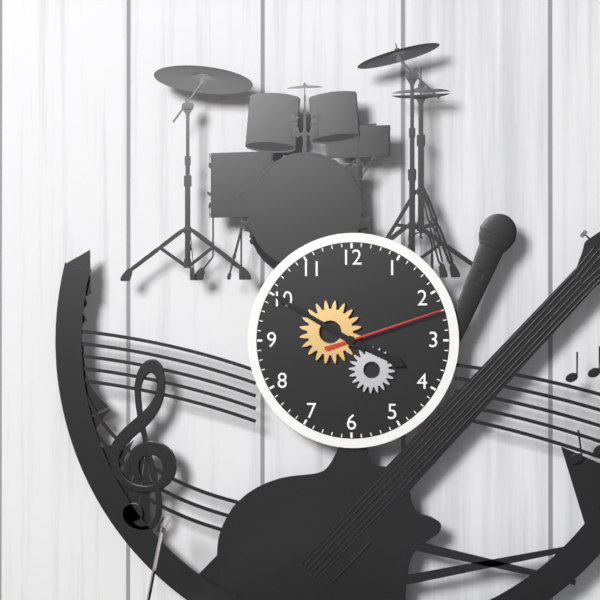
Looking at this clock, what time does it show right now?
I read 3:50:12
